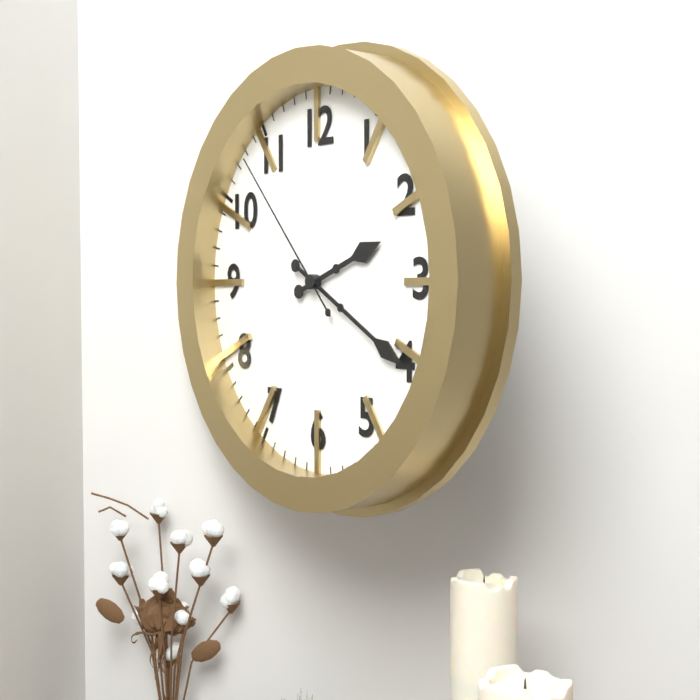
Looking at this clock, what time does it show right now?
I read 2:20:53
